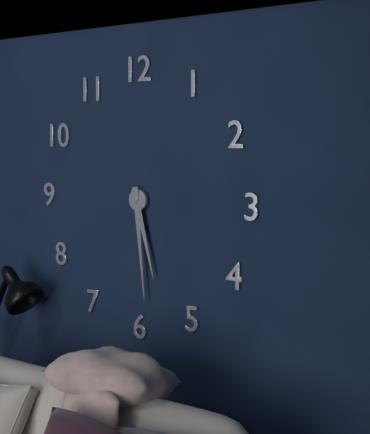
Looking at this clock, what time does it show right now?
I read 5:29
